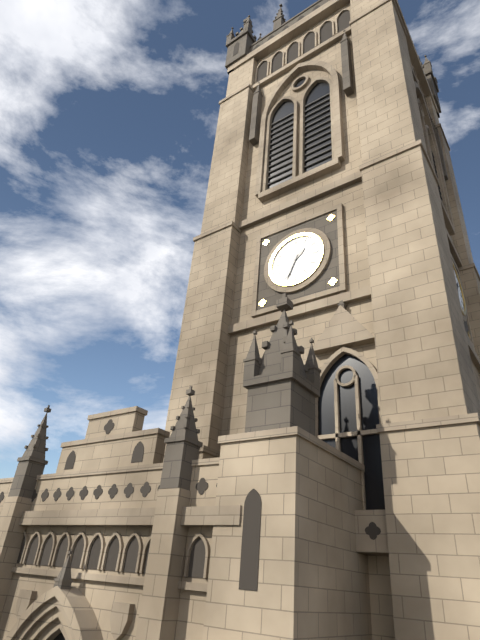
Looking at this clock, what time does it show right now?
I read 1:34
